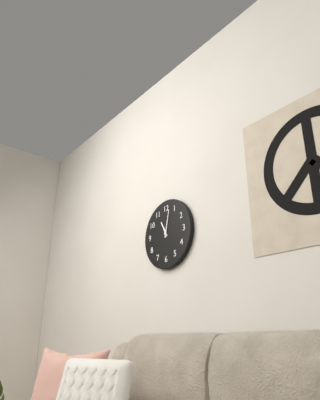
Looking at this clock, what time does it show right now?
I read 11:02
